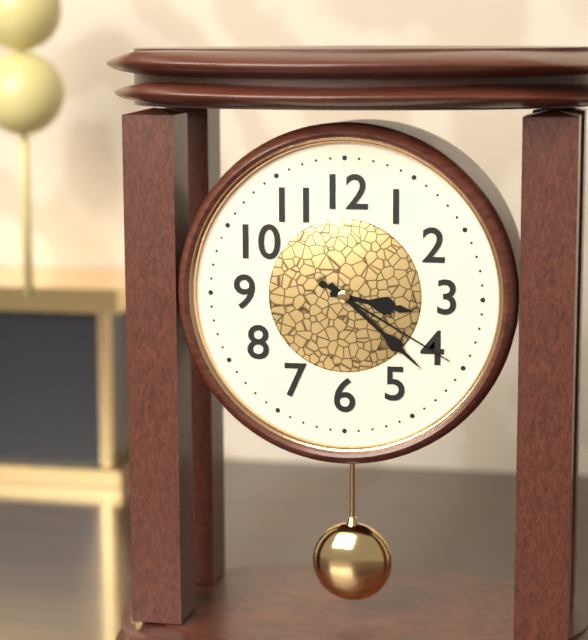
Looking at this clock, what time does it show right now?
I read 3:22:20
